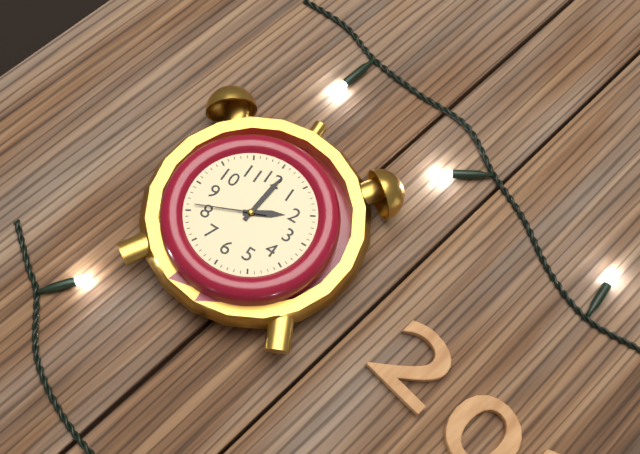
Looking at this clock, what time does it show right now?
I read 2:01:41
